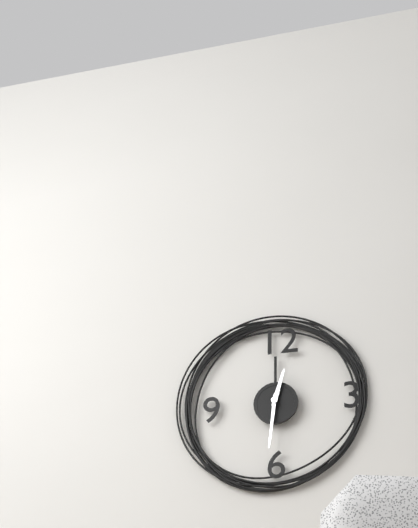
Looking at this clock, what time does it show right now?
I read 12:31
